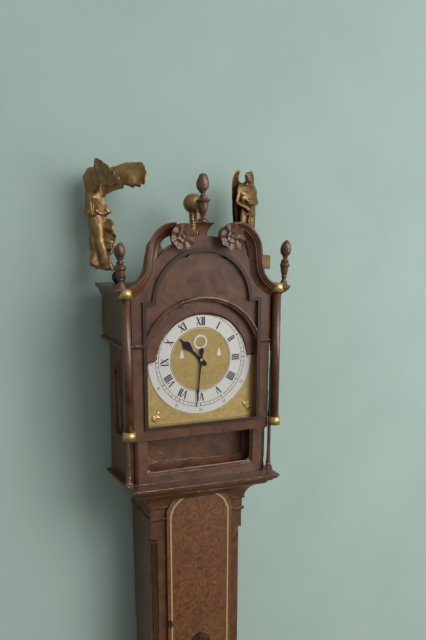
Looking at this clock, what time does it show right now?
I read 10:31
